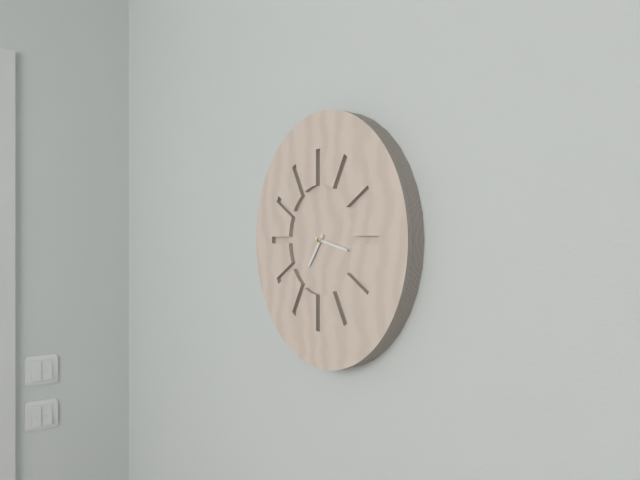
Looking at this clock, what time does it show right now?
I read 7:17
